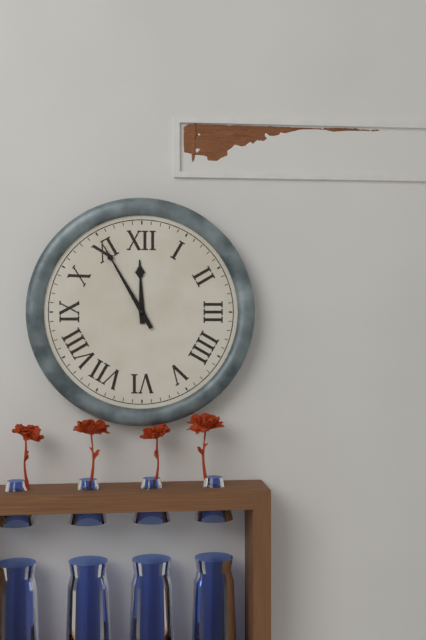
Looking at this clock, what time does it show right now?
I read 11:55
